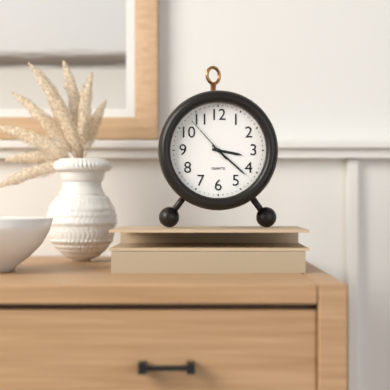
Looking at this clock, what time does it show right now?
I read 3:22:53
